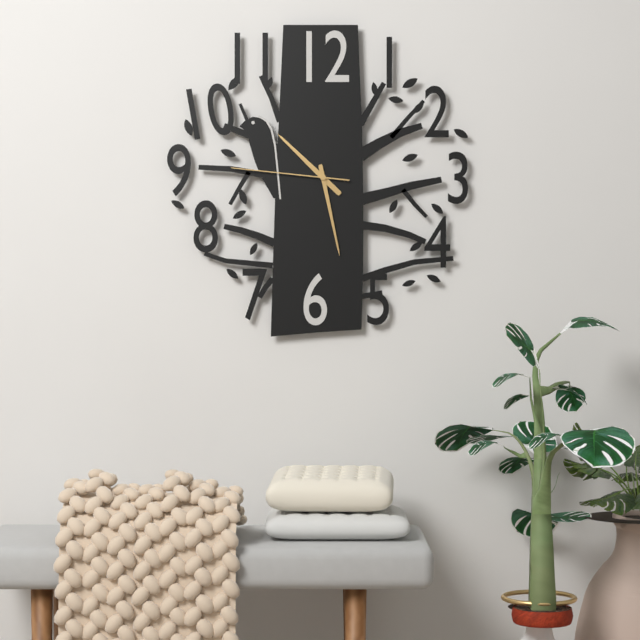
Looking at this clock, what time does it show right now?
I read 10:28:46
